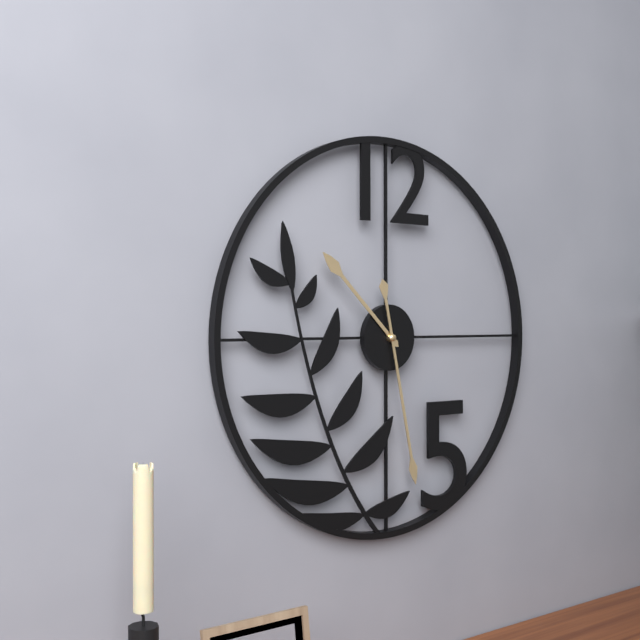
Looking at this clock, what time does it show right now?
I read 10:28
